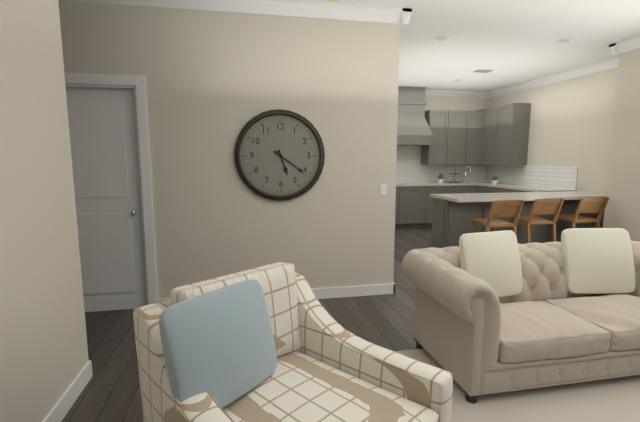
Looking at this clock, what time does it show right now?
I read 5:21
